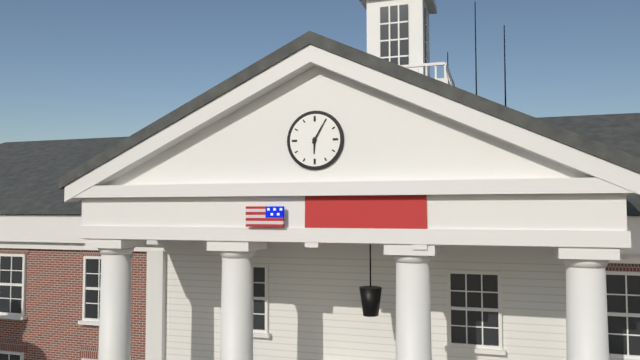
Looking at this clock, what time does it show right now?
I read 6:05
